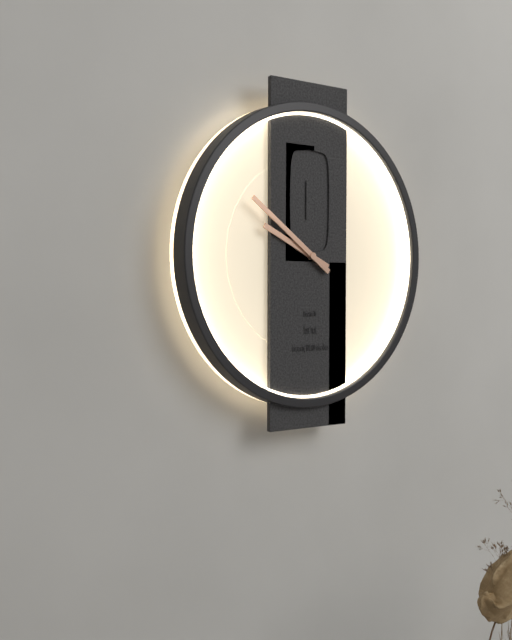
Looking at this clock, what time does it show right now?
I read 9:51
